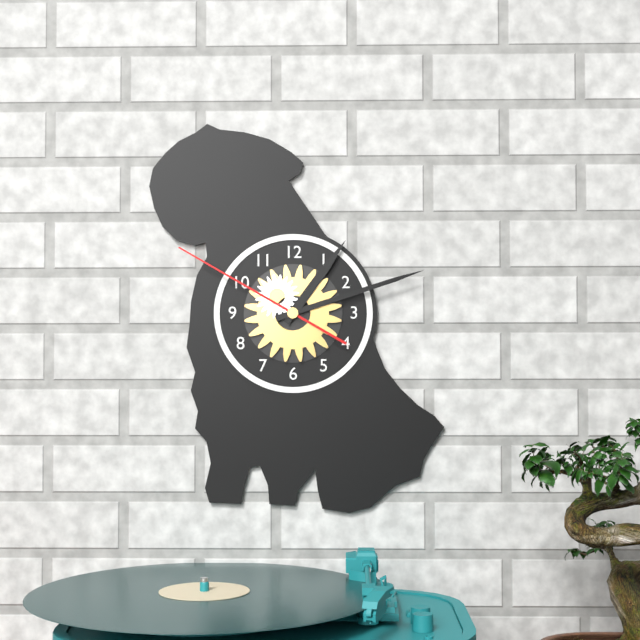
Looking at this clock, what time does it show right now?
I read 1:12:50
